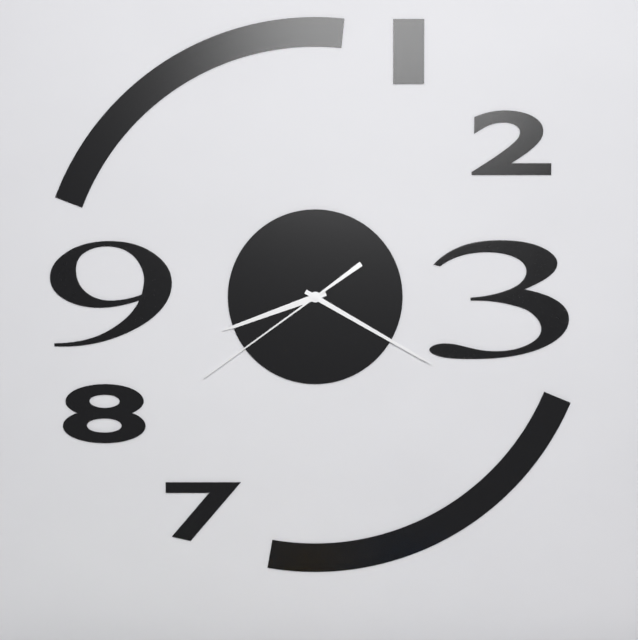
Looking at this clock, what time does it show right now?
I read 8:20:39
